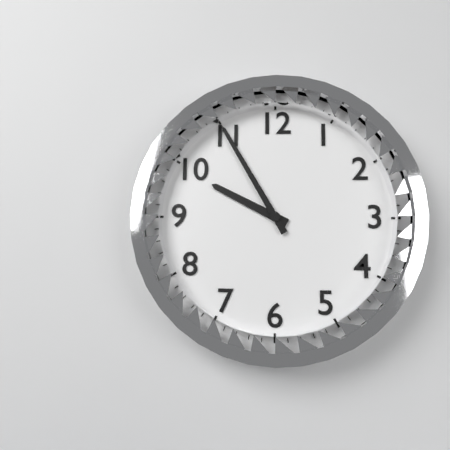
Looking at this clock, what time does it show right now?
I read 9:55
